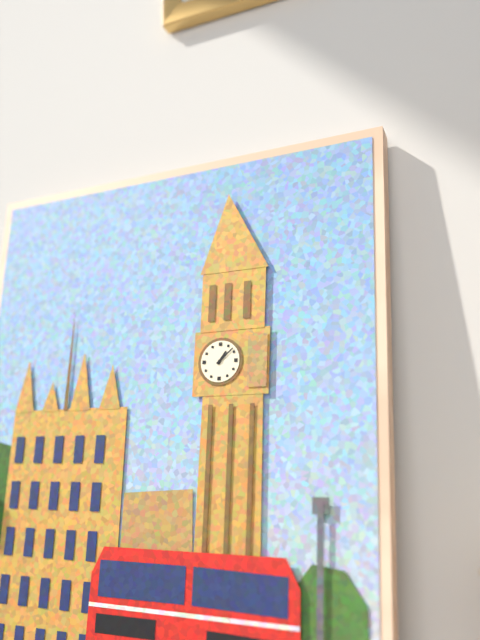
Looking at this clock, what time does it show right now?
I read 1:08
